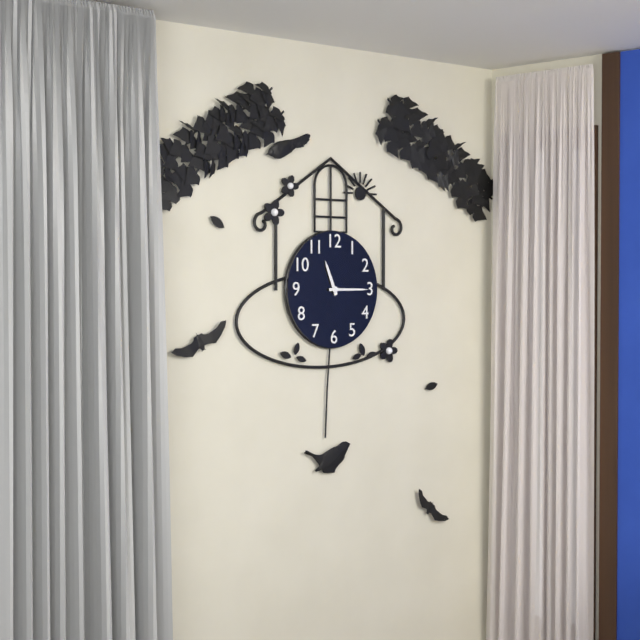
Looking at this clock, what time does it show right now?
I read 11:15
